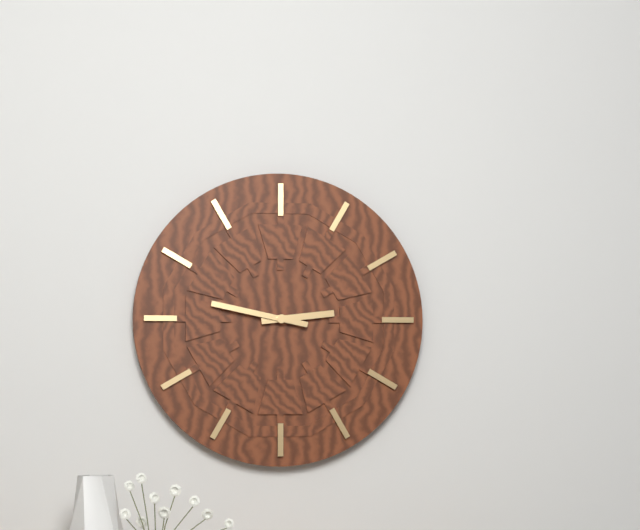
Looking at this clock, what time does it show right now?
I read 2:47
